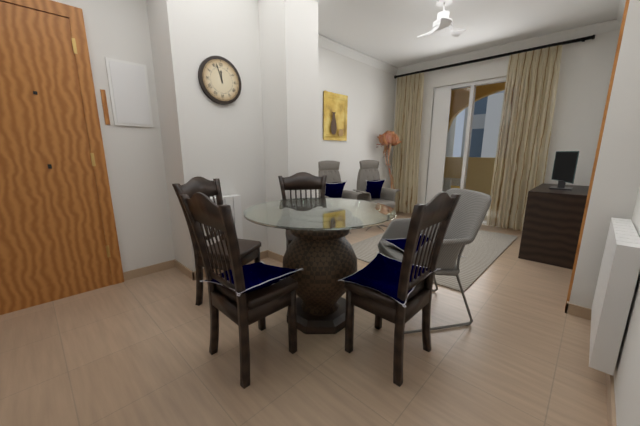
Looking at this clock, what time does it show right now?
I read 11:57
